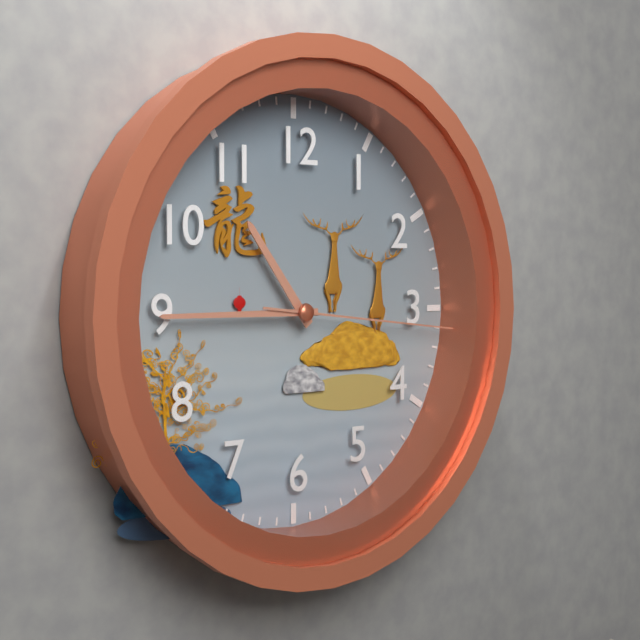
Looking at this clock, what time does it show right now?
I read 10:45:16
